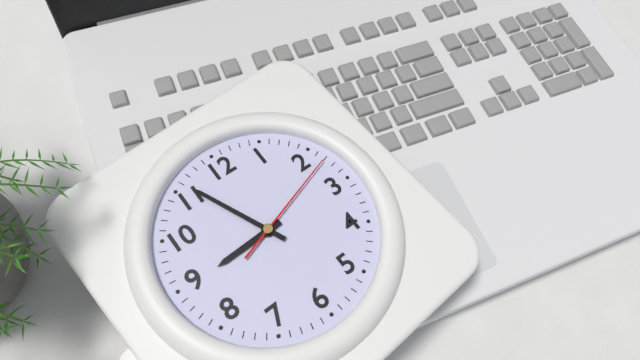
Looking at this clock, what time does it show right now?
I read 8:56:12
